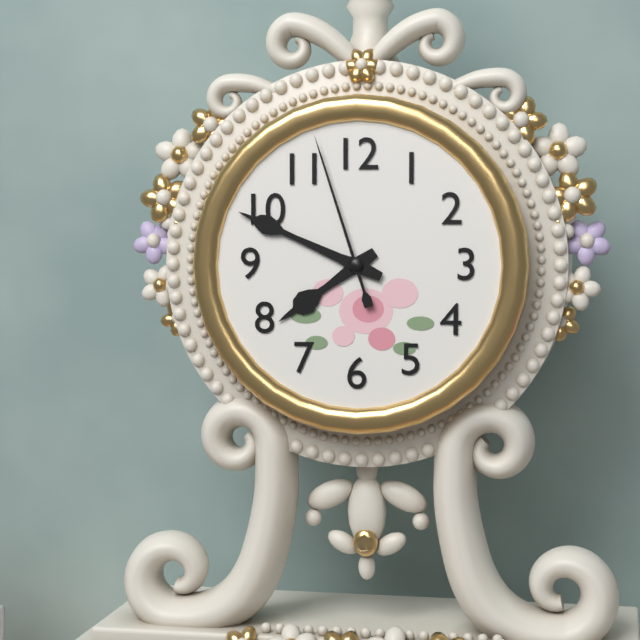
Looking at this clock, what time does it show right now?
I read 7:49:57
